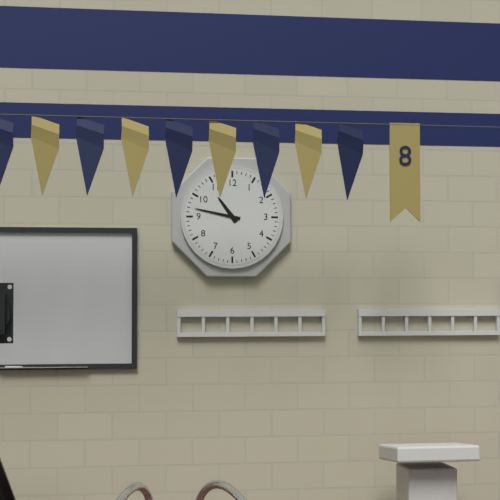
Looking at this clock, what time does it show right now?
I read 10:47
